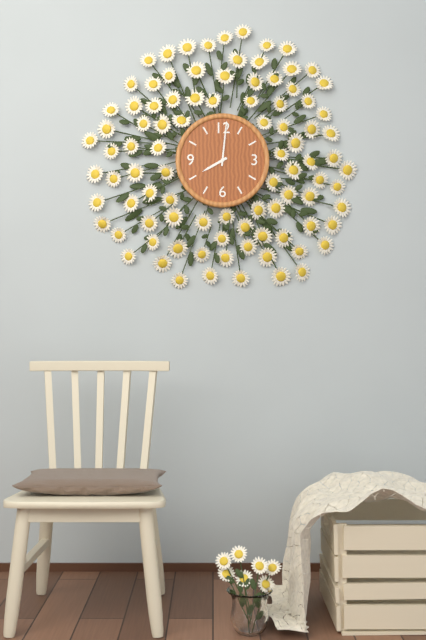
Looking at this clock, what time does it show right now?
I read 8:01
